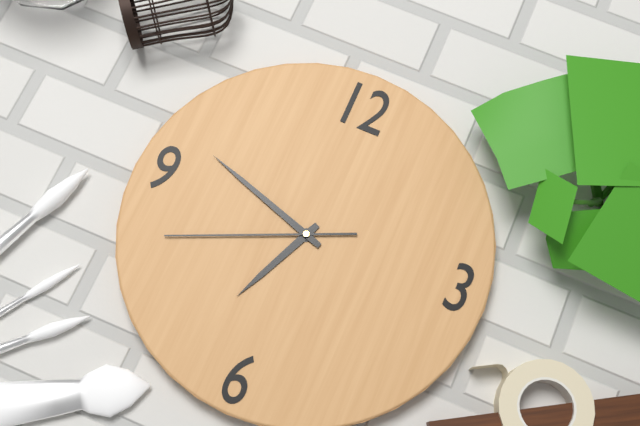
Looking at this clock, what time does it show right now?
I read 6:48:41
